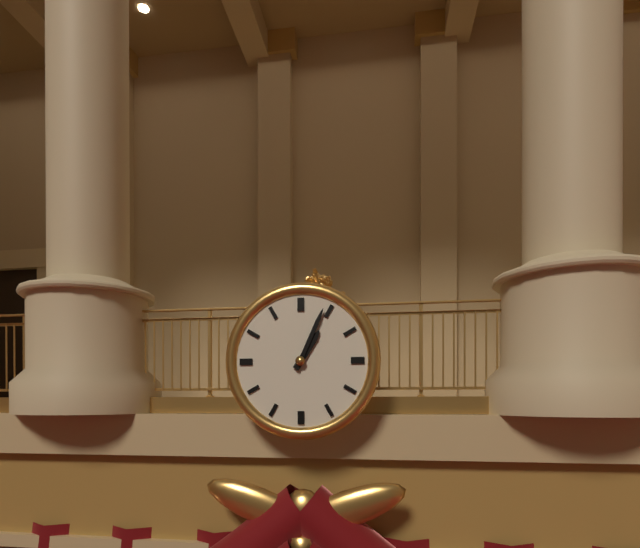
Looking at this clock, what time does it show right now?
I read 1:04
